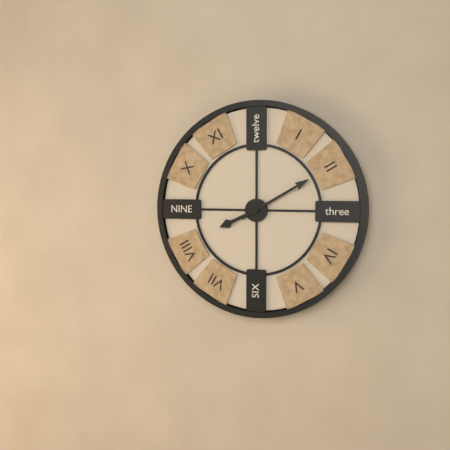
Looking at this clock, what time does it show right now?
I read 8:10
